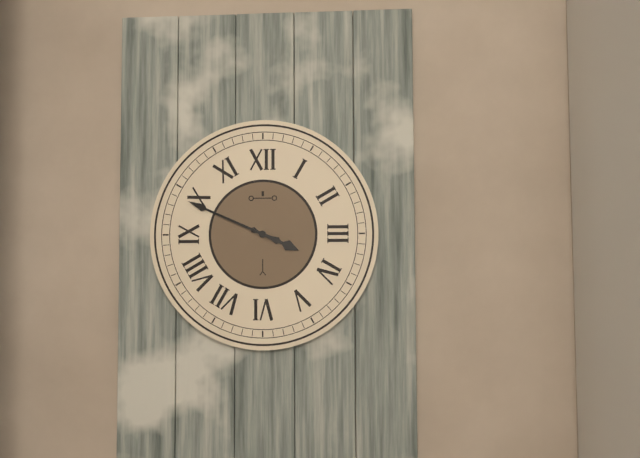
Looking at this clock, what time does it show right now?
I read 3:49
